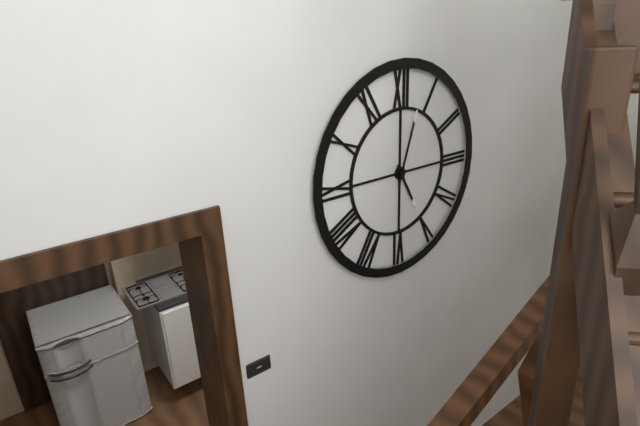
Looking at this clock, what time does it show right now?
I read 5:03
